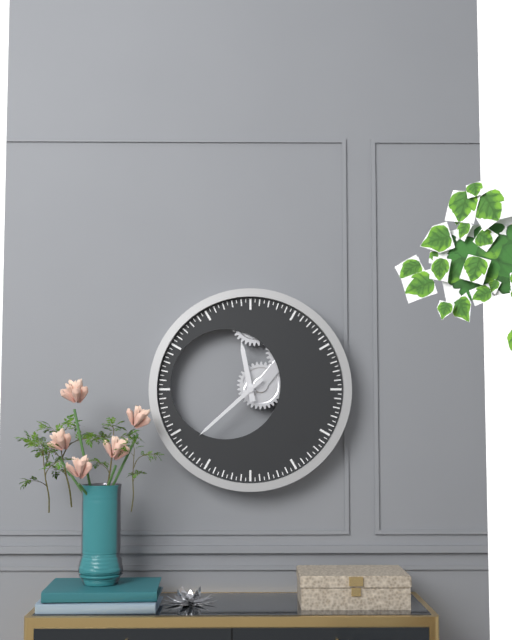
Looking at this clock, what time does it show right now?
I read 11:38
